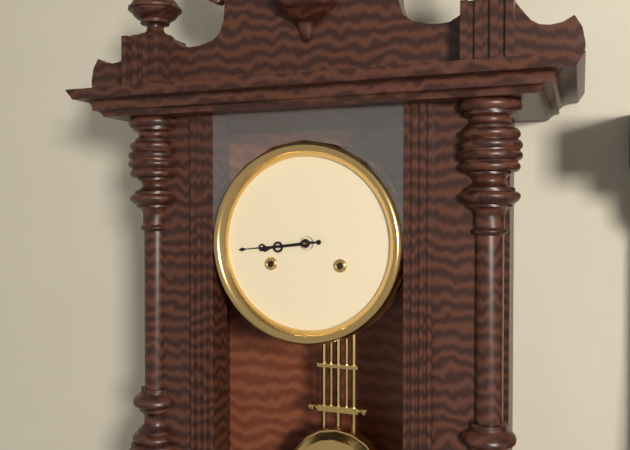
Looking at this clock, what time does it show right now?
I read 8:44
